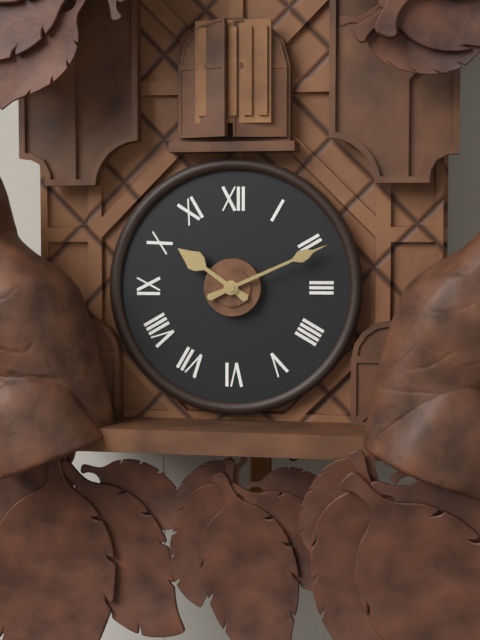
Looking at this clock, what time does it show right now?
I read 10:11
